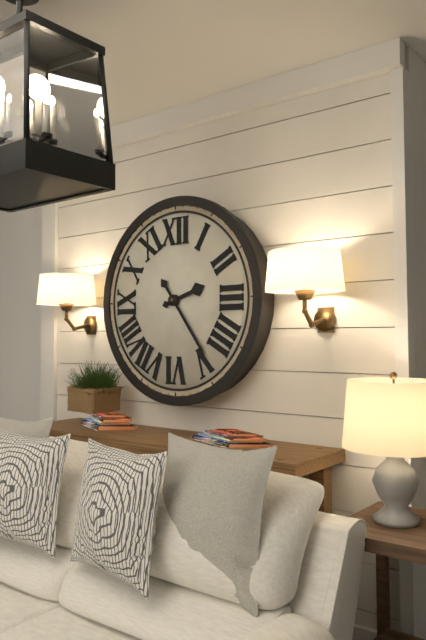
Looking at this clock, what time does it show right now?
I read 2:24
